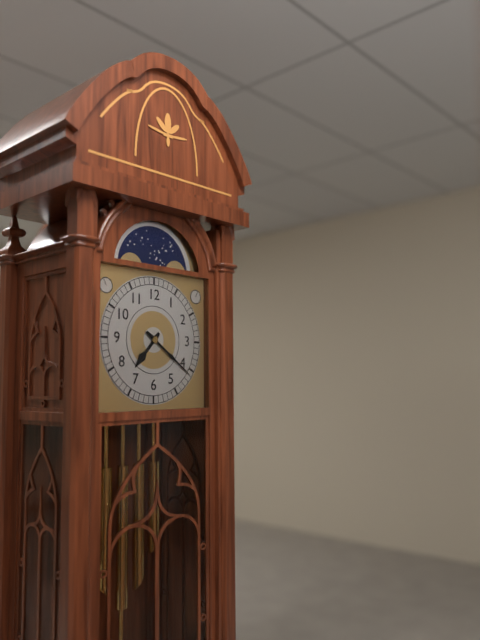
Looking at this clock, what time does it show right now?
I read 7:21
